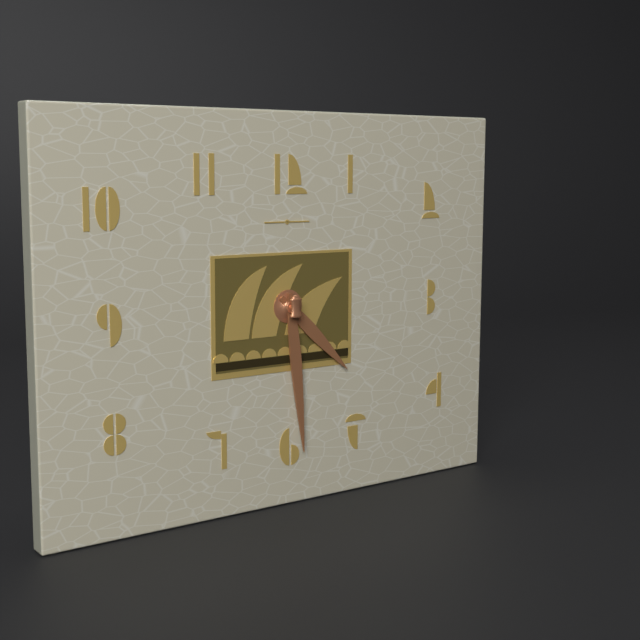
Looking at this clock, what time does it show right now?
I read 4:29
